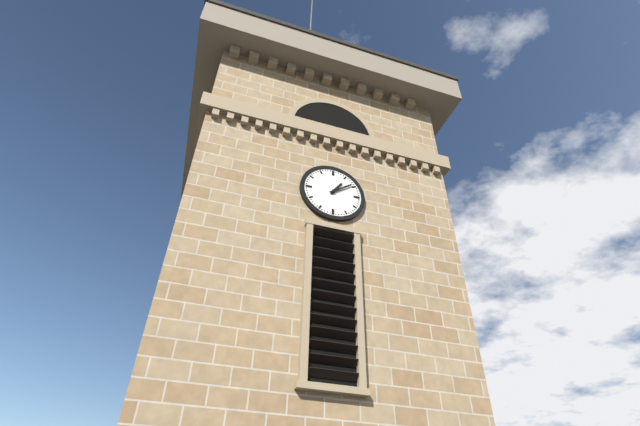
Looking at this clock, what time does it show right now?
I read 1:09
